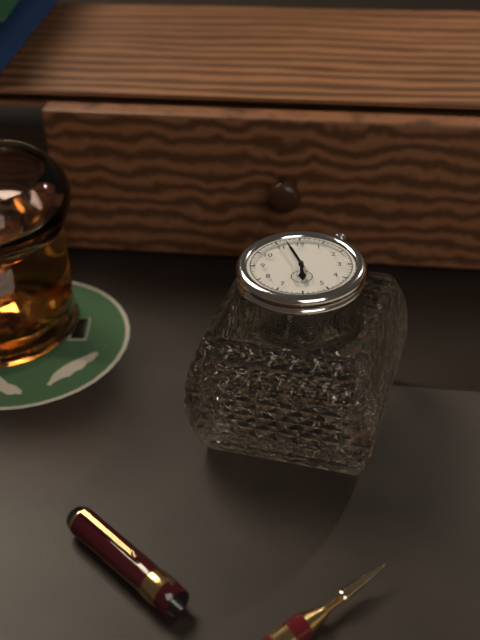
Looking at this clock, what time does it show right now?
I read 5:57
